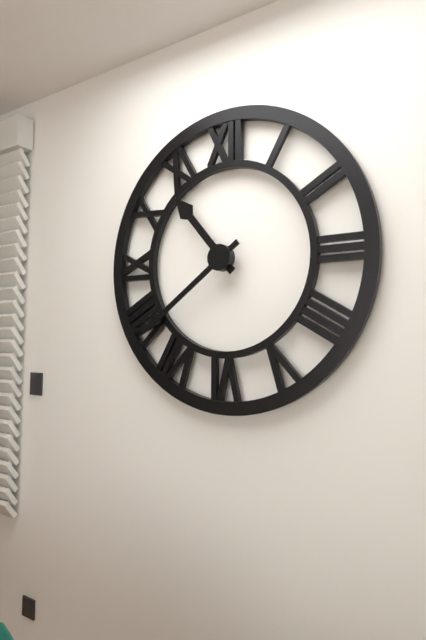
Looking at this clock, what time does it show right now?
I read 10:39
